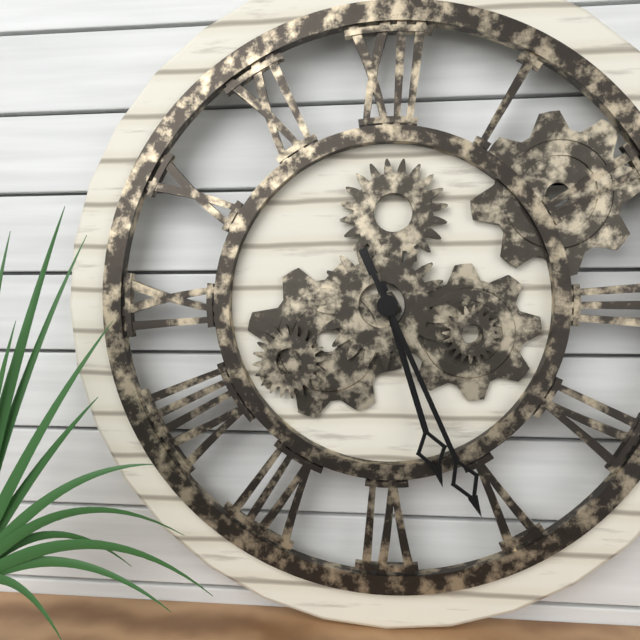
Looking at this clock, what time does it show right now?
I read 5:26
